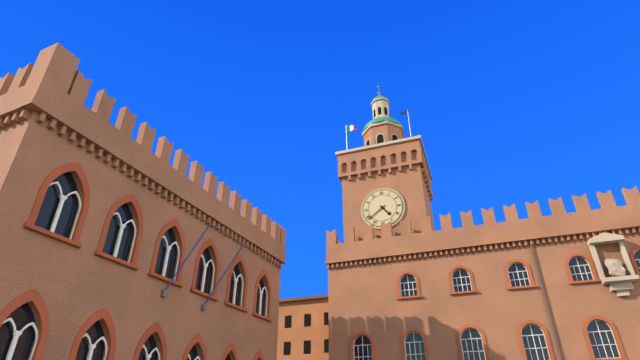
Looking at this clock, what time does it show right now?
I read 4:39
